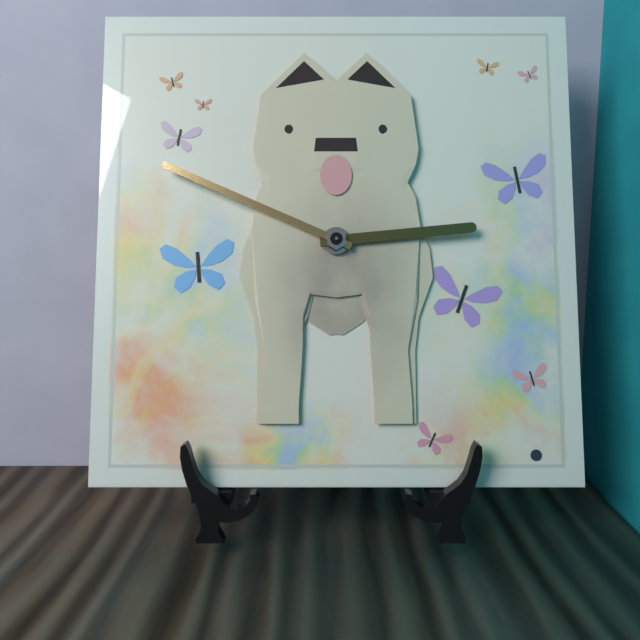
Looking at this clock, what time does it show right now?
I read 2:49
